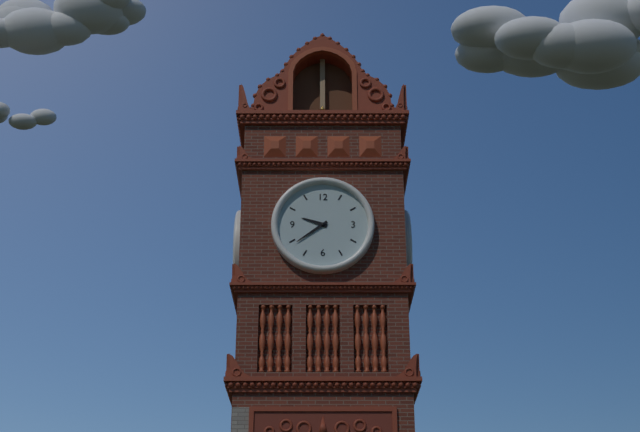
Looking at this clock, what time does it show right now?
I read 9:39
